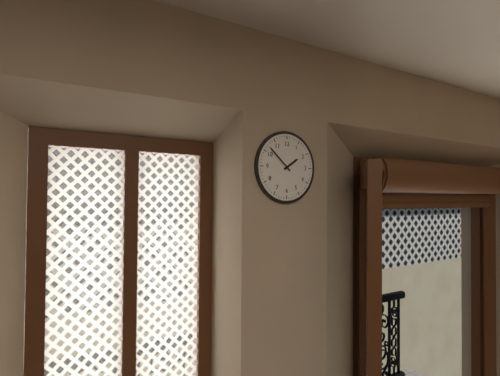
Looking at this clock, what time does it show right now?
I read 1:52
